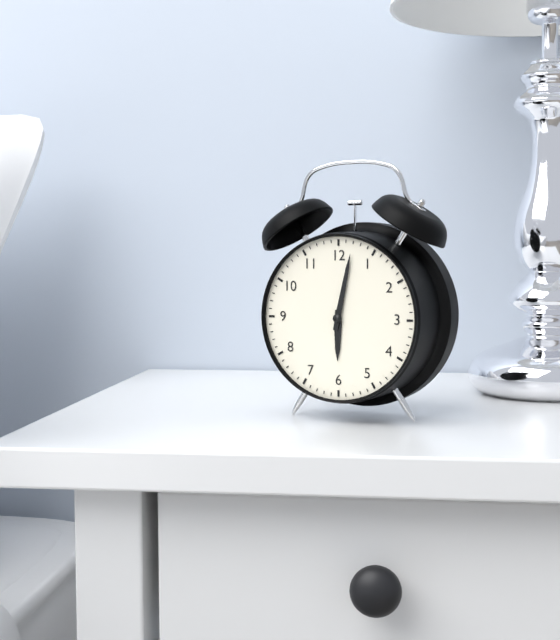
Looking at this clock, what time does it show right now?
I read 6:02
